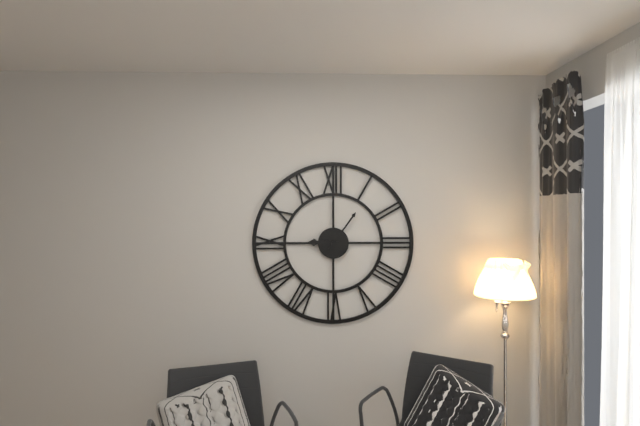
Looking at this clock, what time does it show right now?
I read 9:06
